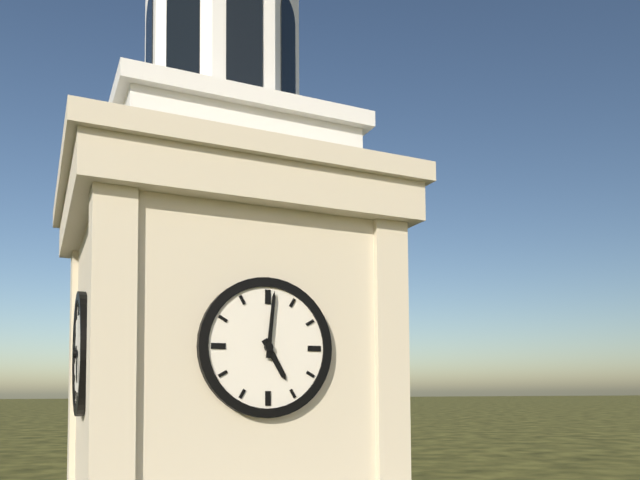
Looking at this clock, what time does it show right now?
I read 5:01
